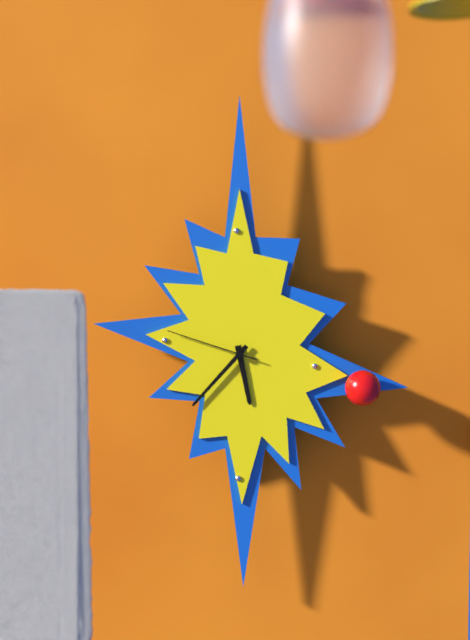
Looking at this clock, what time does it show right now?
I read 5:37:48
